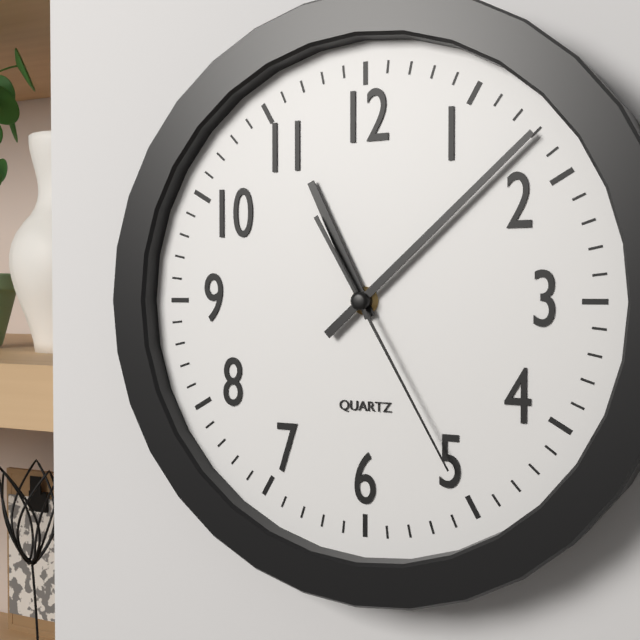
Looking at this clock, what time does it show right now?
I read 11:08:25
